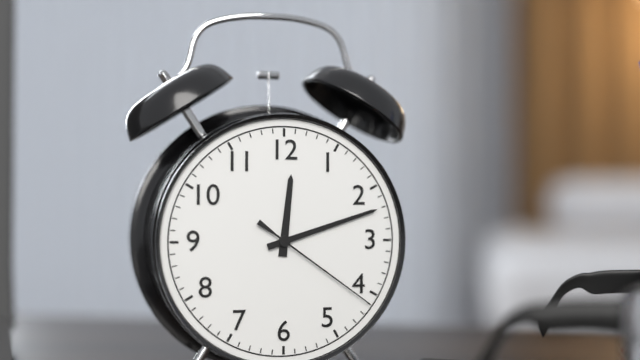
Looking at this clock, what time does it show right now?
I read 12:12:21
